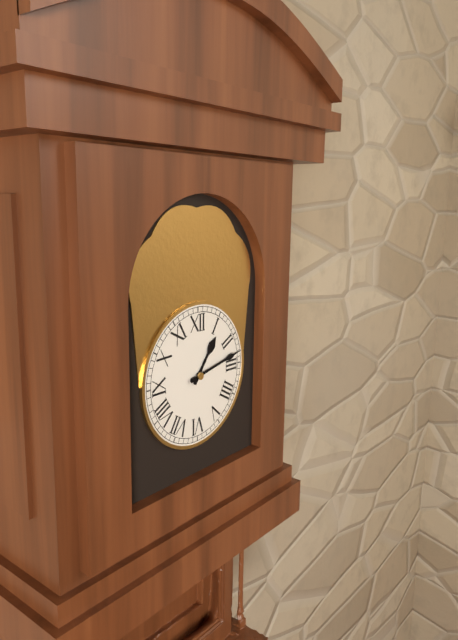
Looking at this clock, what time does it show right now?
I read 1:13
